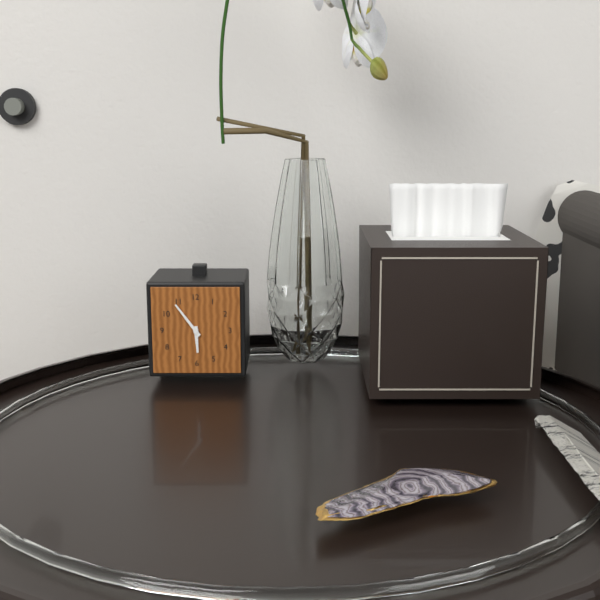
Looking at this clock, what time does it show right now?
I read 5:54
